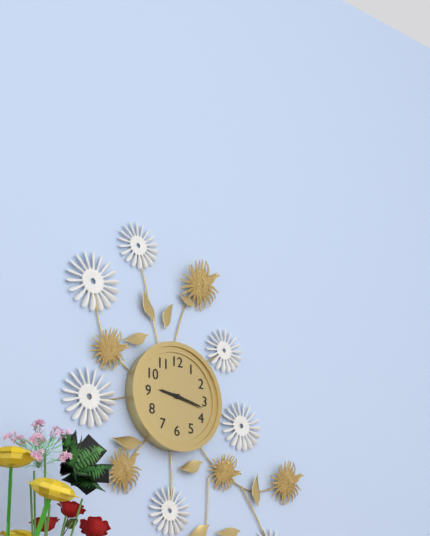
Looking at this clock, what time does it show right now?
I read 9:17
